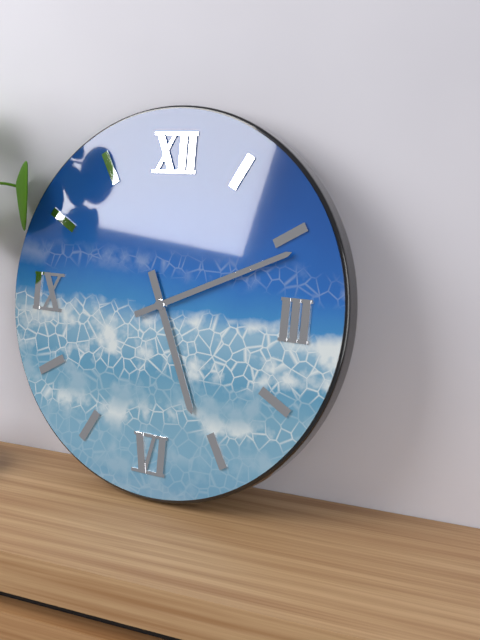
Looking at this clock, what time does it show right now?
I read 5:11
